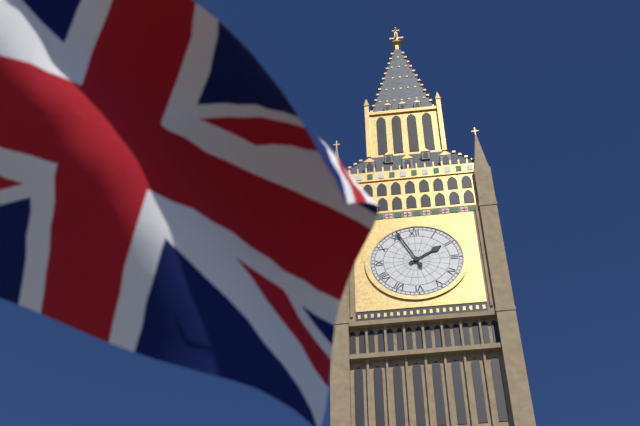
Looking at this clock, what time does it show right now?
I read 1:56
